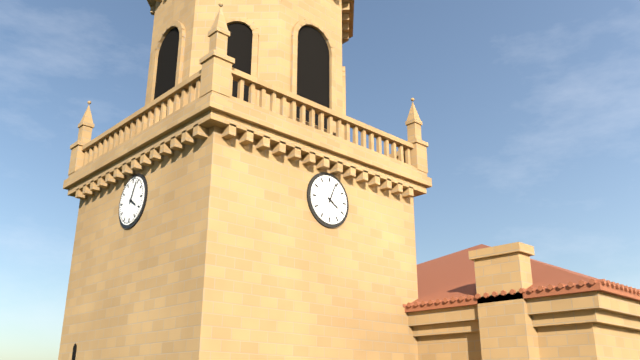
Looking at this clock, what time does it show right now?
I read 4:04
